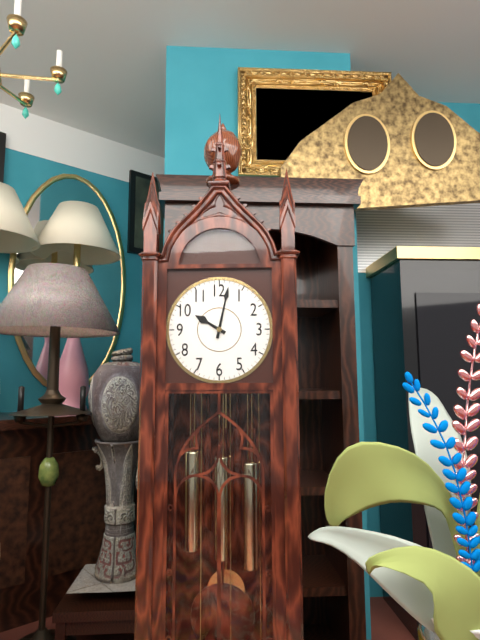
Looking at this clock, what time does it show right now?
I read 10:02
